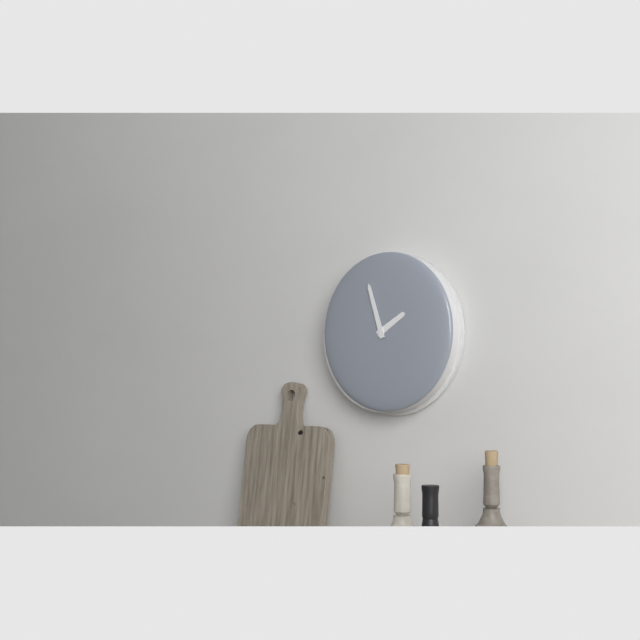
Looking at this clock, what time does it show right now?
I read 1:57
